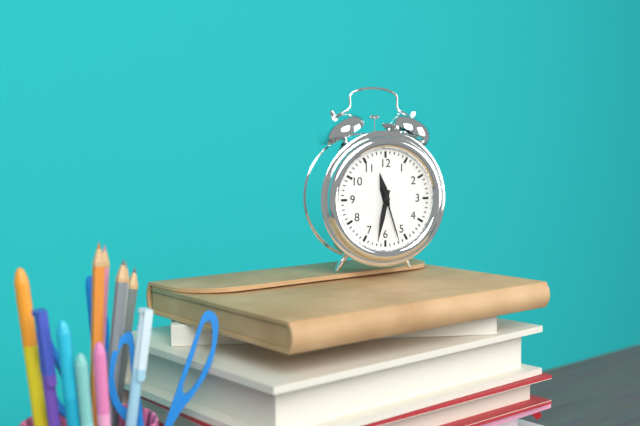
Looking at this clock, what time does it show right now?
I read 11:32:27
